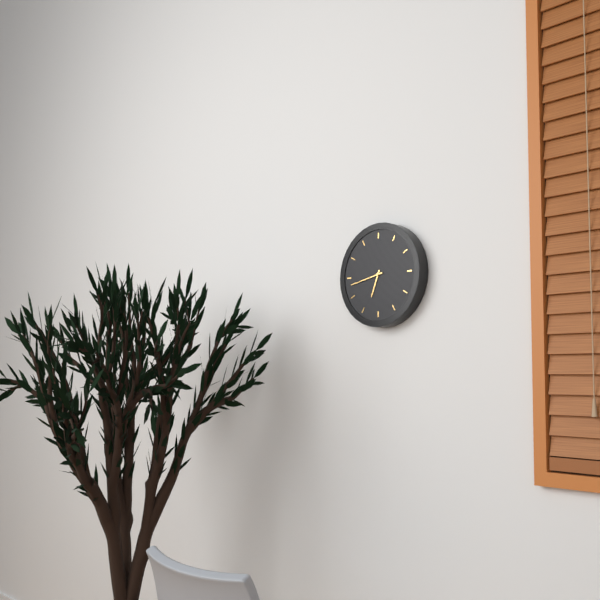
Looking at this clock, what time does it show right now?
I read 6:43
